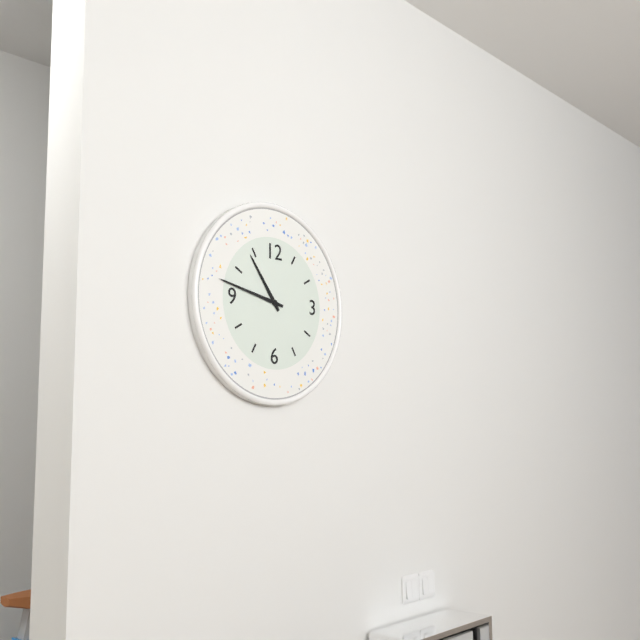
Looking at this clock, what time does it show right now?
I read 10:47
